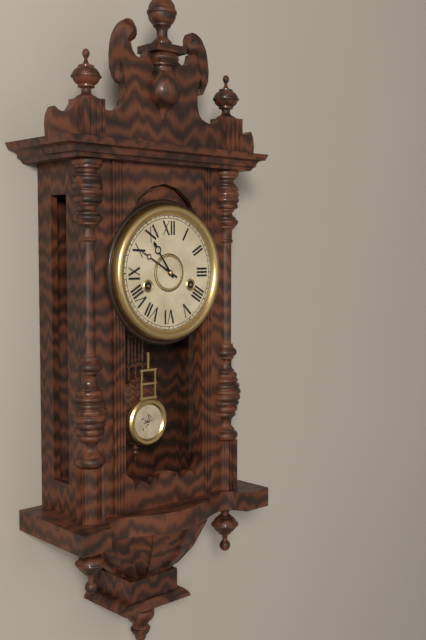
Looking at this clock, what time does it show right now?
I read 10:50
